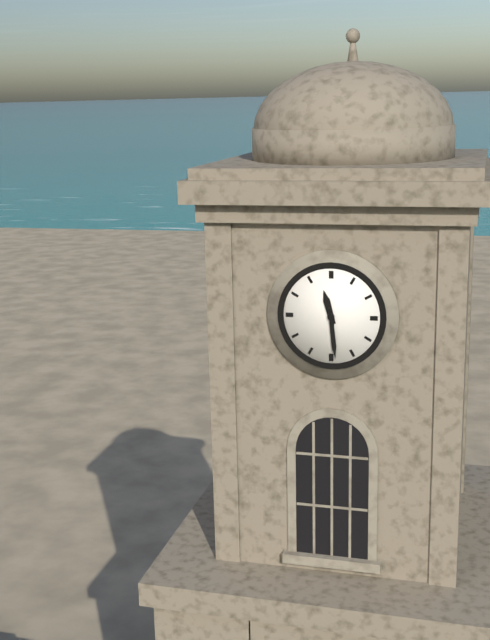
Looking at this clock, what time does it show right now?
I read 11:29
